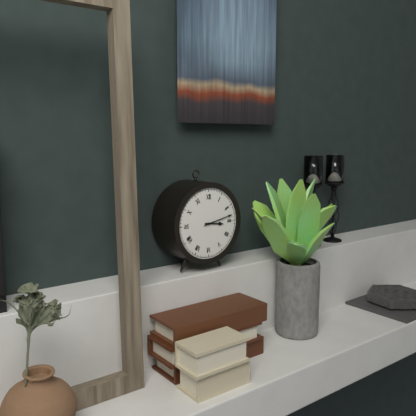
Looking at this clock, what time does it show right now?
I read 3:13
